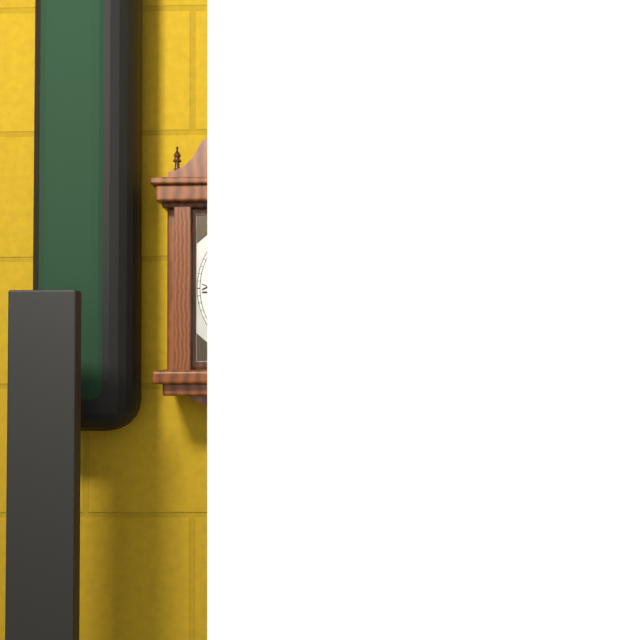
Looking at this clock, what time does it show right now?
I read 10:10
